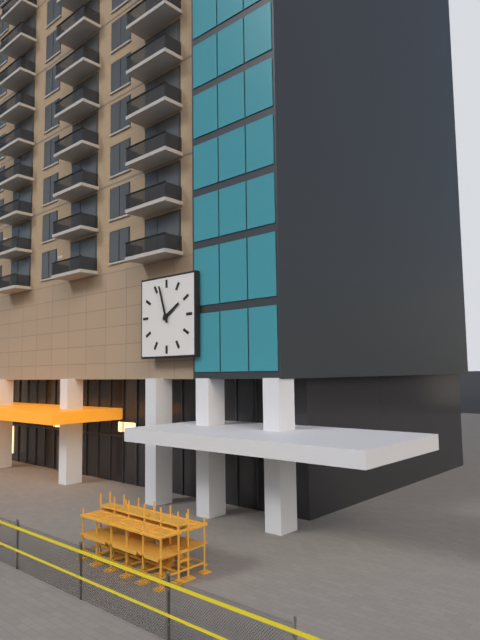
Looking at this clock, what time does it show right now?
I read 1:57
